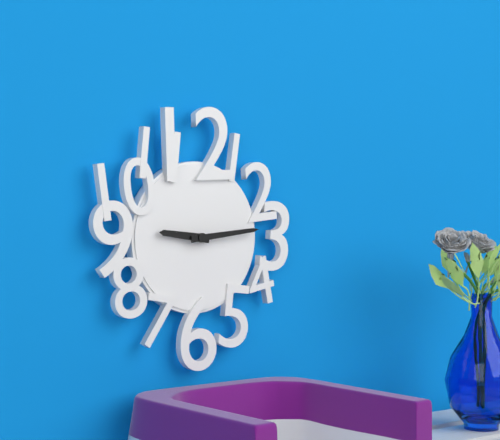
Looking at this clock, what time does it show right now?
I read 9:14
